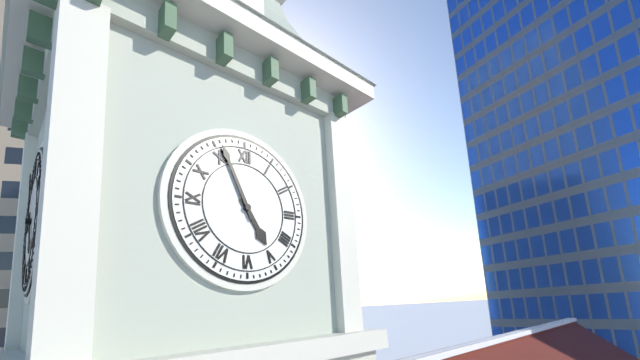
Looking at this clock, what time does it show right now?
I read 4:56
